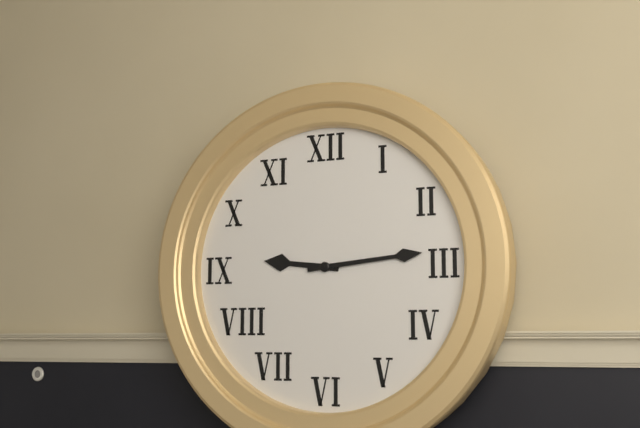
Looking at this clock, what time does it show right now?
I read 9:14
